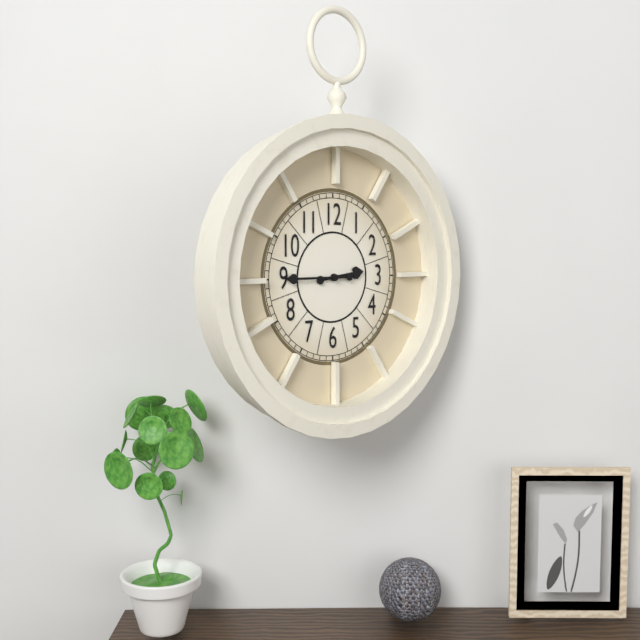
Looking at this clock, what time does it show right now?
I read 2:45
